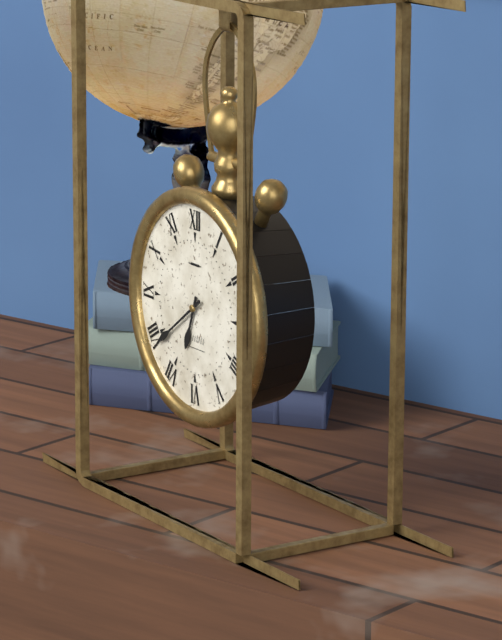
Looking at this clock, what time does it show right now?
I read 6:39
